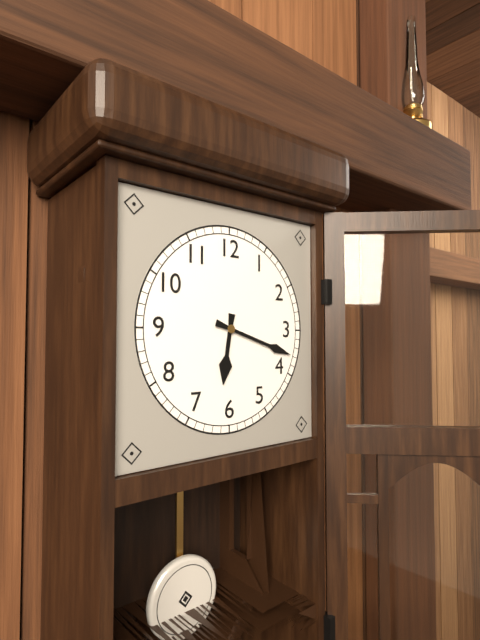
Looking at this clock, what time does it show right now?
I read 6:18
